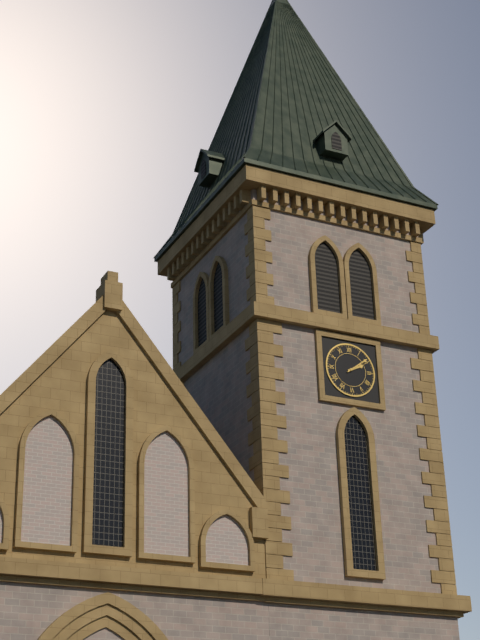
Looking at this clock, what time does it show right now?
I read 2:09
